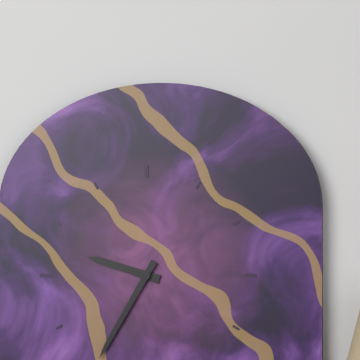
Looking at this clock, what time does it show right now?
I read 9:35
